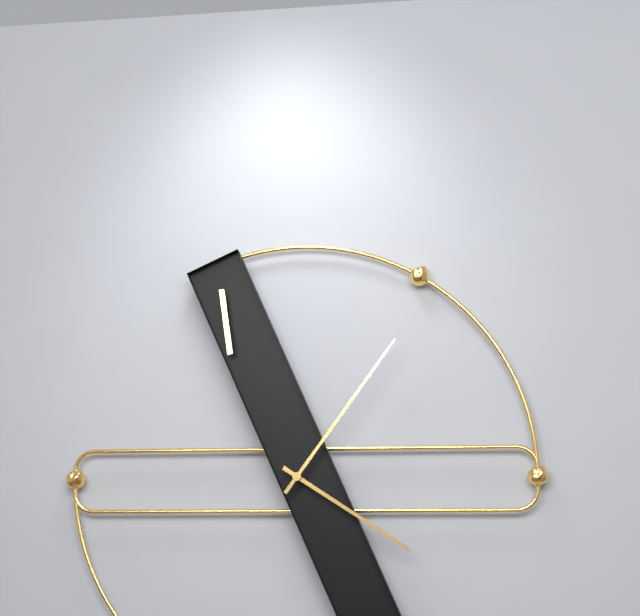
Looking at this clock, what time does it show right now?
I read 4:06
